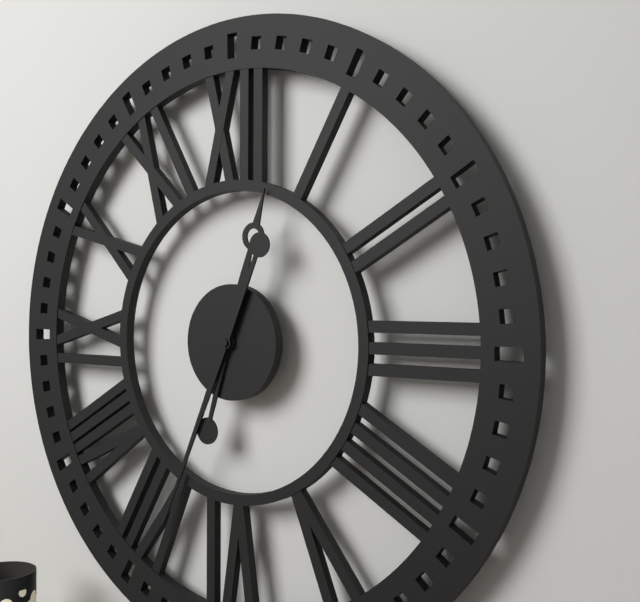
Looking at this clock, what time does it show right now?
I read 12:34
